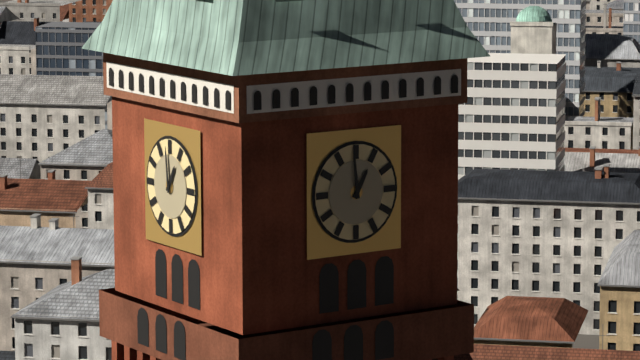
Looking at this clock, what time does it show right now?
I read 12:59
